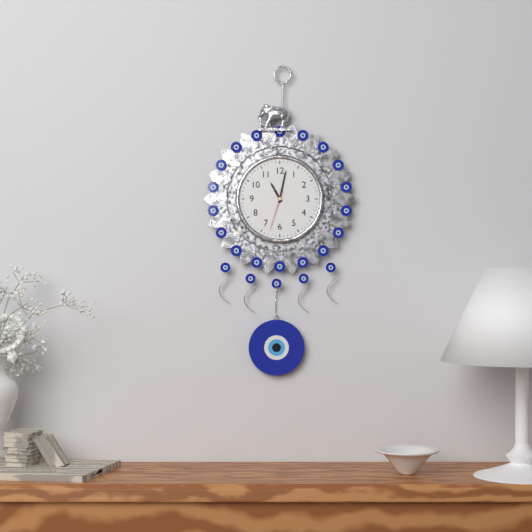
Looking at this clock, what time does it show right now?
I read 11:02
